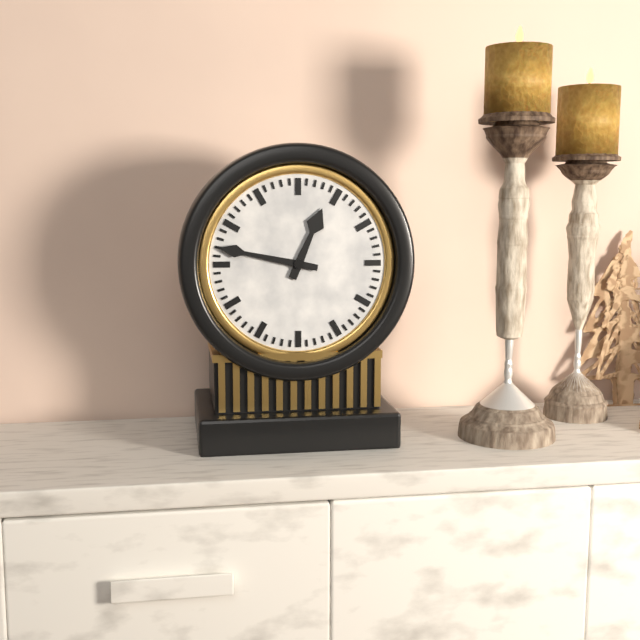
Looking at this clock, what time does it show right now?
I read 12:47
